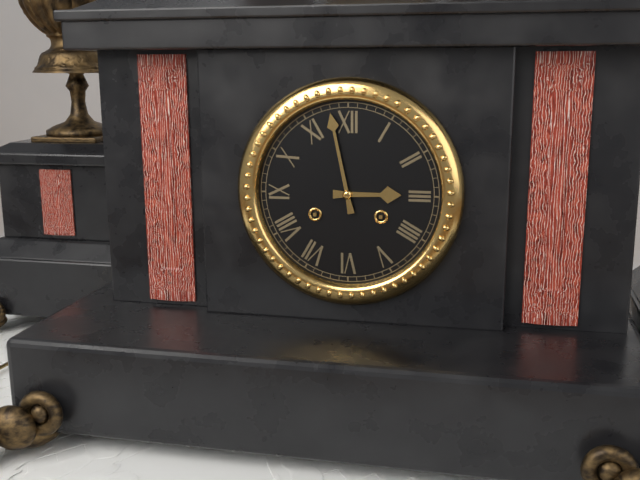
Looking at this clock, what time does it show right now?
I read 2:58
